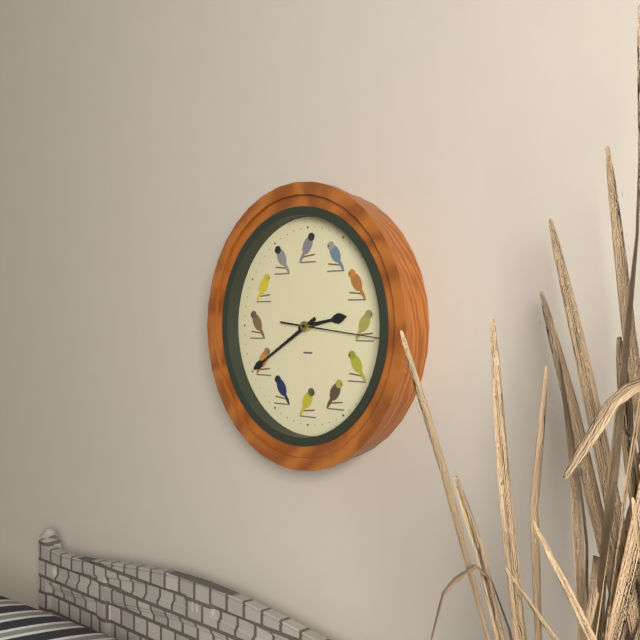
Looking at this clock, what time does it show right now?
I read 2:40:16
